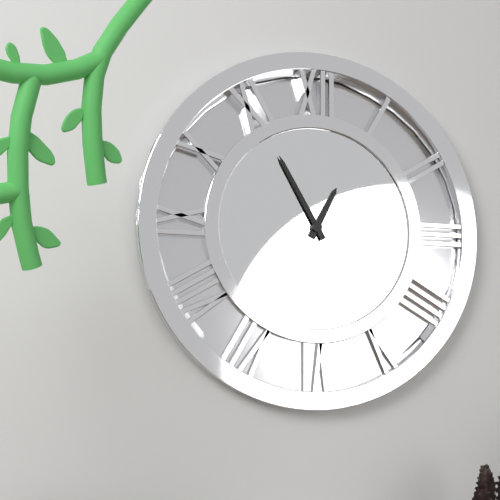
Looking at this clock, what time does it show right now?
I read 12:55
